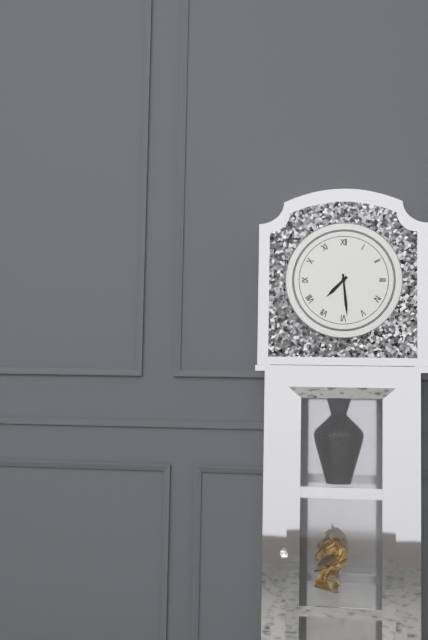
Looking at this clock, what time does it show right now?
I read 7:29
